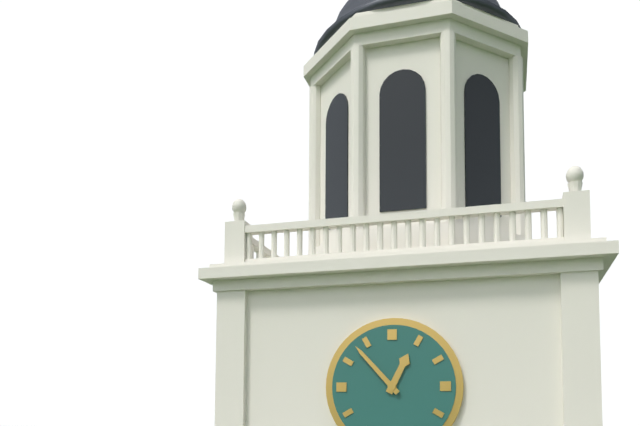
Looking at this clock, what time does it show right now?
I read 12:53
